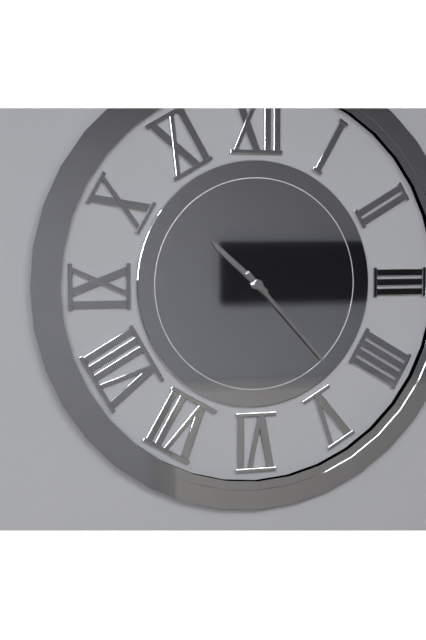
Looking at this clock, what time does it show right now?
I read 10:23
